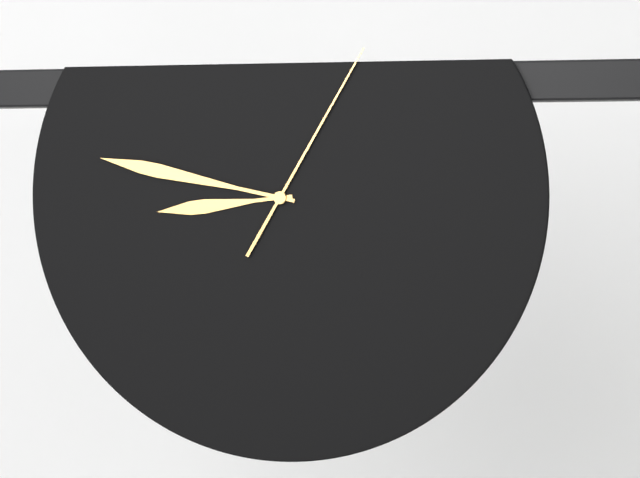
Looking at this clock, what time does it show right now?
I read 8:47:05
